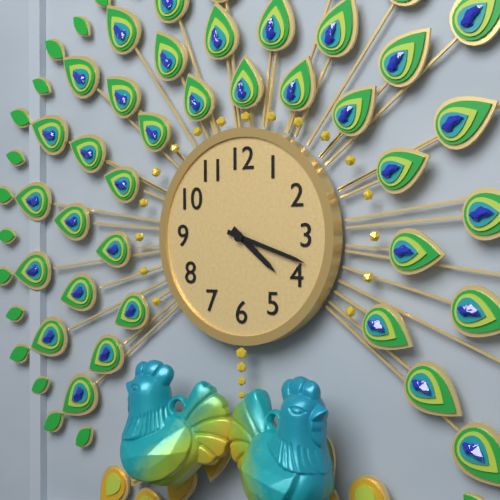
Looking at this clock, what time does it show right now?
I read 4:18
